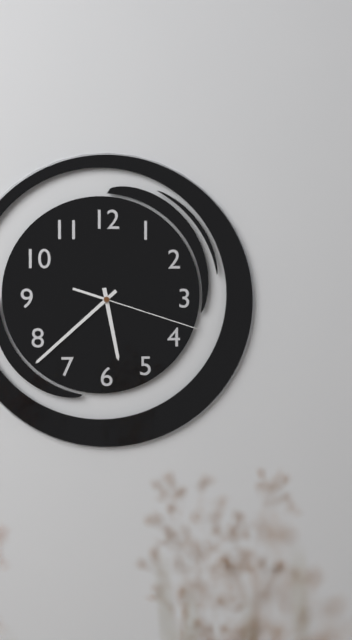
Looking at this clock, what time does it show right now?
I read 5:38:18
